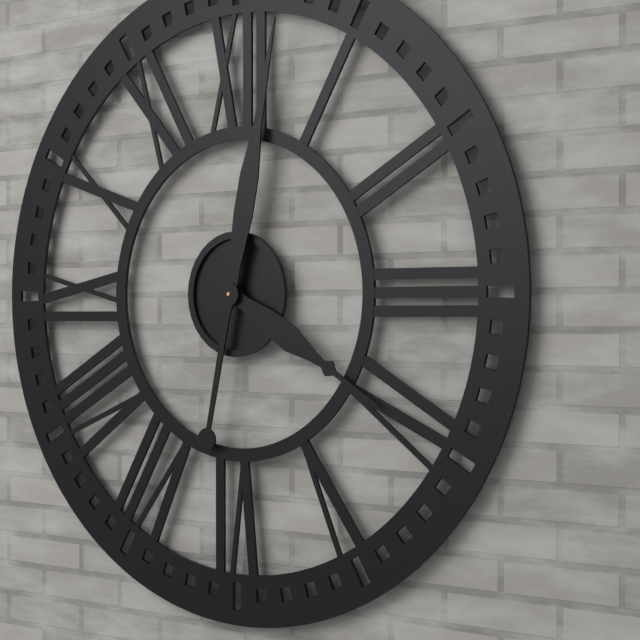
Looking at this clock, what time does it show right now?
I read 4:02
